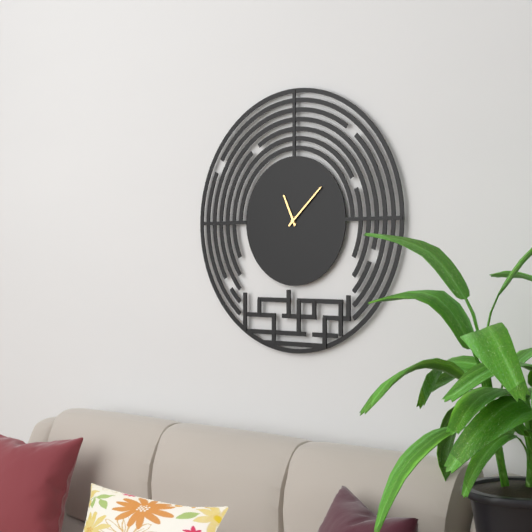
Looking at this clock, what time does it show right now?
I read 11:08
